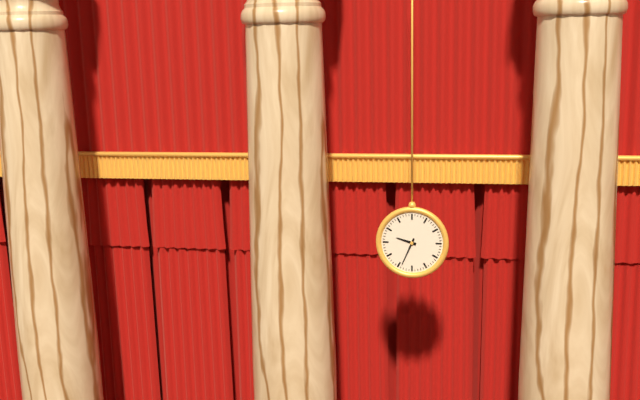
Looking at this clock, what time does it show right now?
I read 9:34
